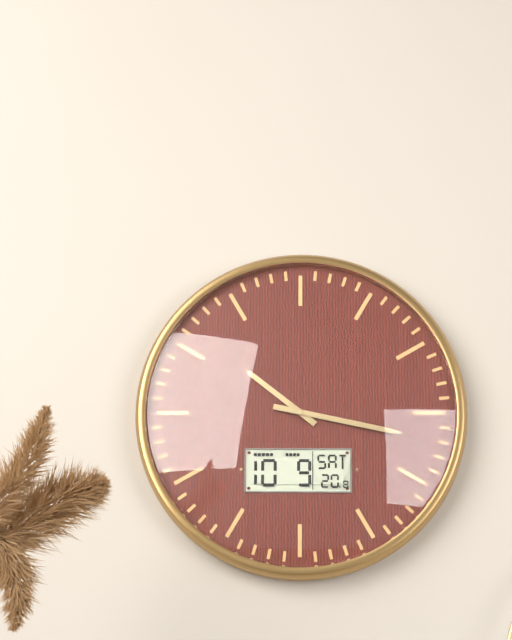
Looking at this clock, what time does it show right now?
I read 10:17
